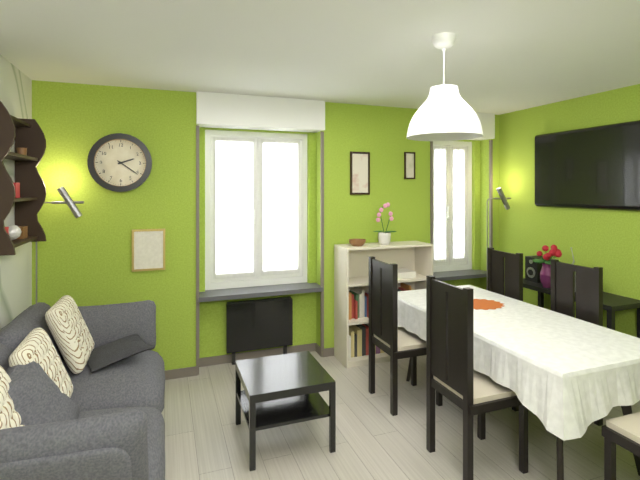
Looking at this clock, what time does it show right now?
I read 2:21
